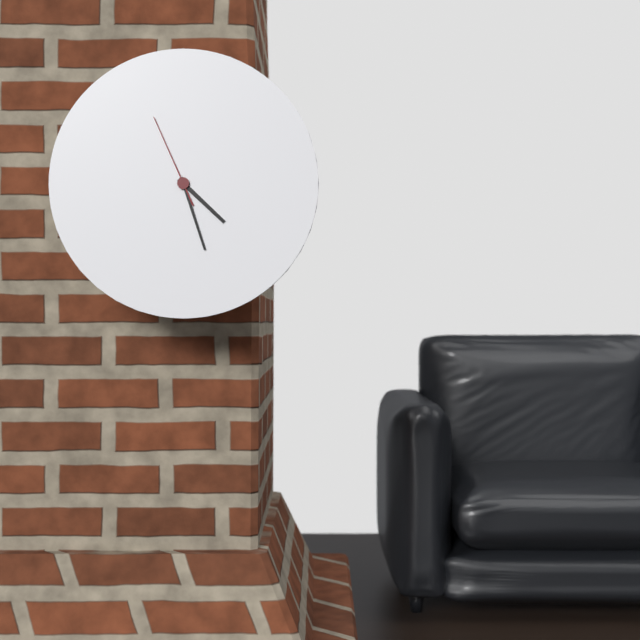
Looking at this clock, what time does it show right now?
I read 4:27:56
